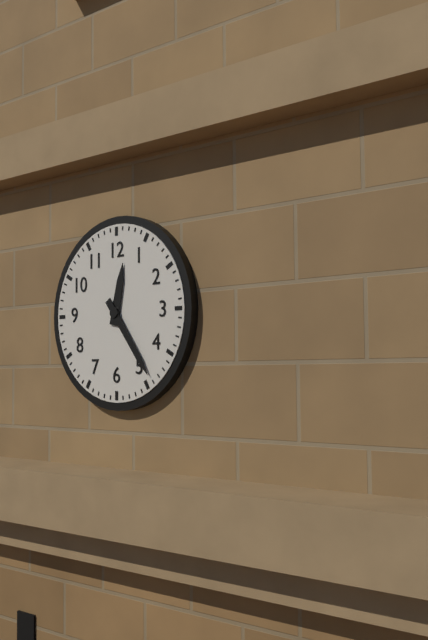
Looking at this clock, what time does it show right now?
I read 12:24
